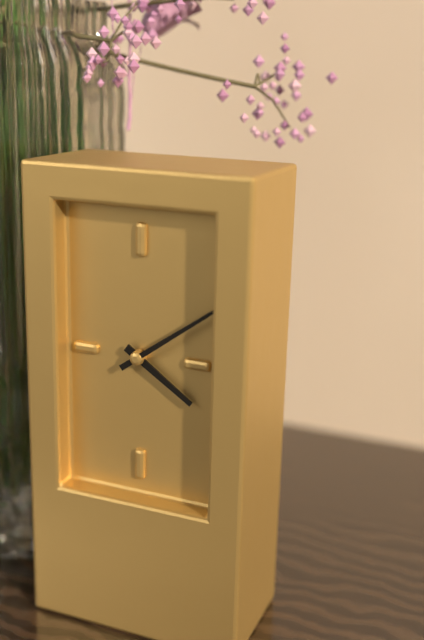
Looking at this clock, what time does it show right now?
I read 4:09
